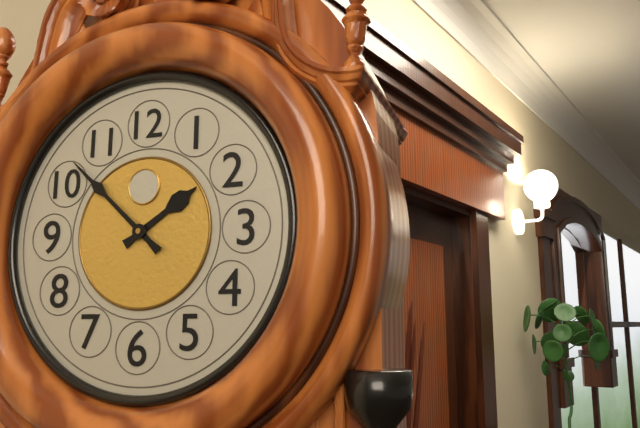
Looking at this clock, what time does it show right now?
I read 1:52
